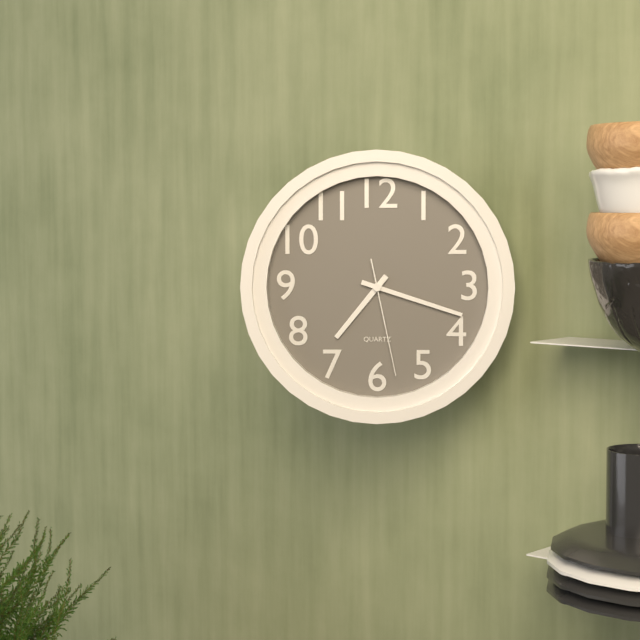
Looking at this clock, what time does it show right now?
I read 7:18:28
